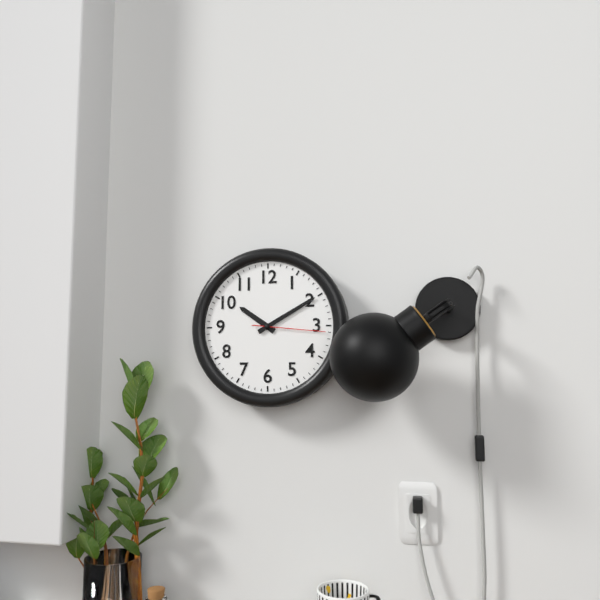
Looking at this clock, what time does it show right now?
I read 10:10:16
